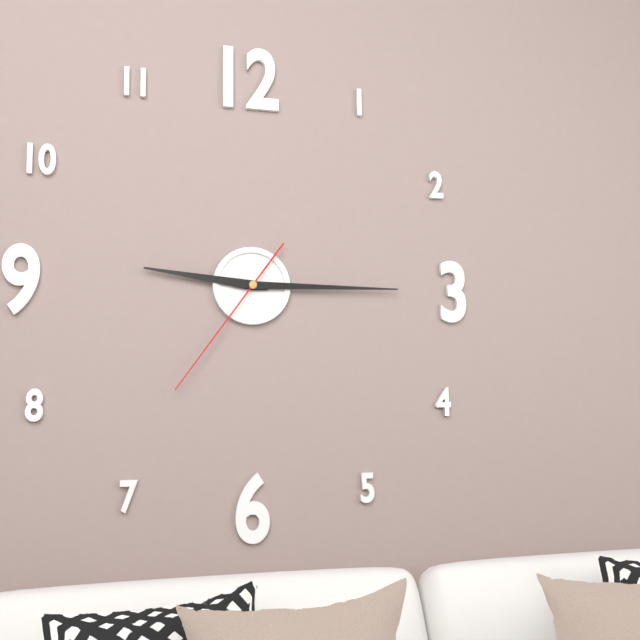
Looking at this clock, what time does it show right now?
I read 9:15:36
